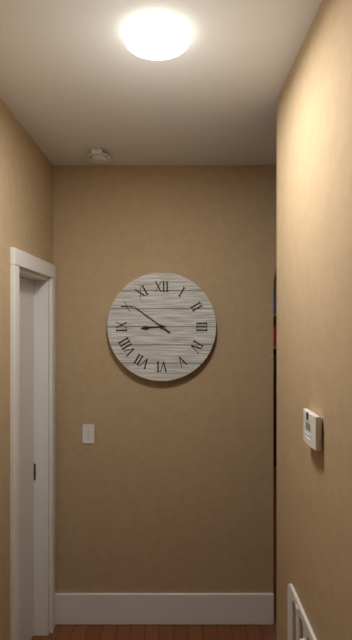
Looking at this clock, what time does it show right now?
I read 8:51
